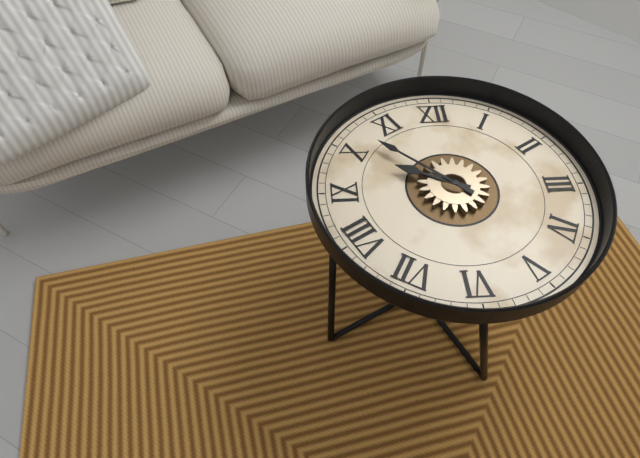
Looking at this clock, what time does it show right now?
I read 9:52
